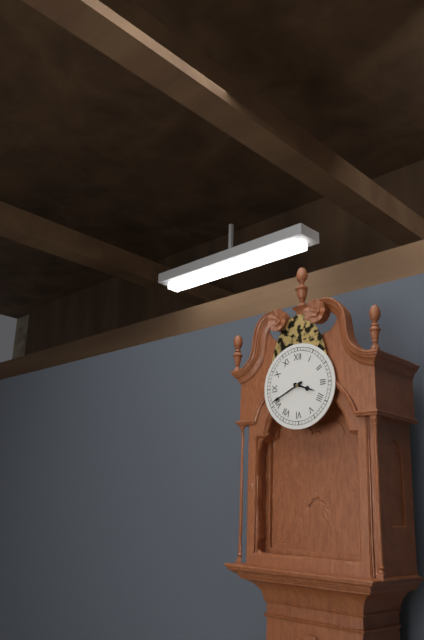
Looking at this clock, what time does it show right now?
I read 3:41
